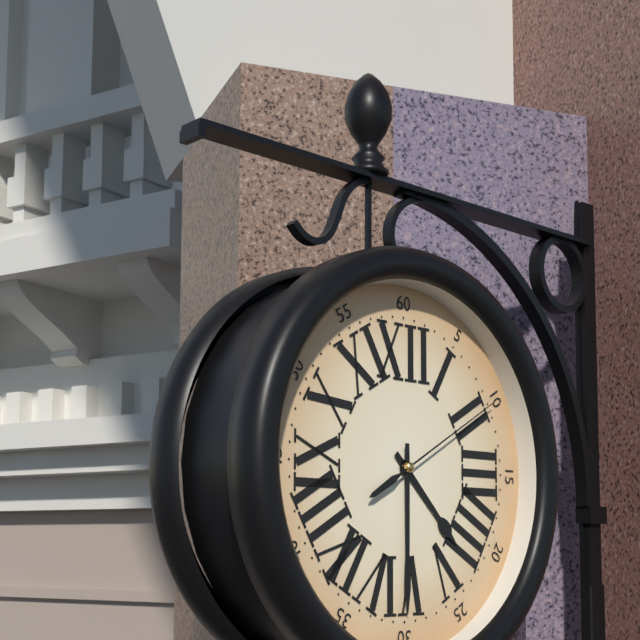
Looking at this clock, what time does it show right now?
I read 4:30:10
